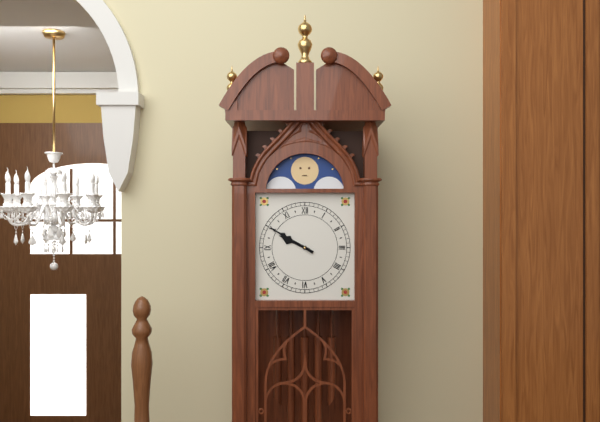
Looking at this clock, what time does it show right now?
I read 9:50
